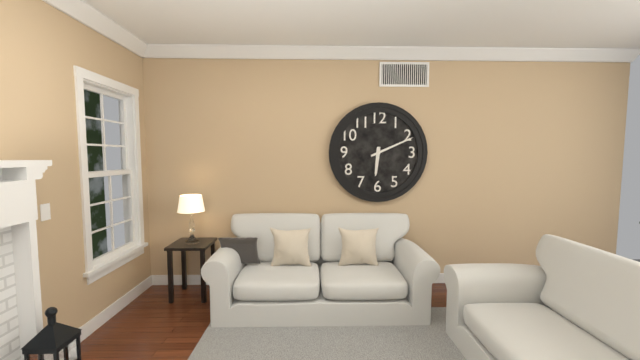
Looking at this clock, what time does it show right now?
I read 6:11
